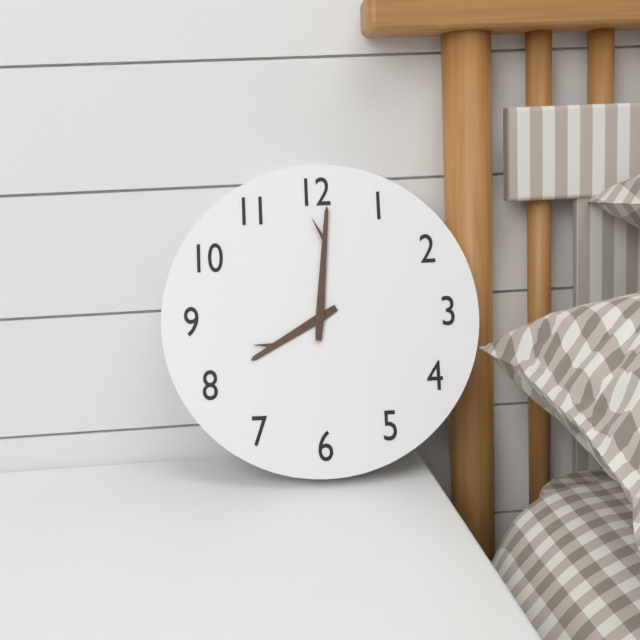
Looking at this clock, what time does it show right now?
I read 8:01
